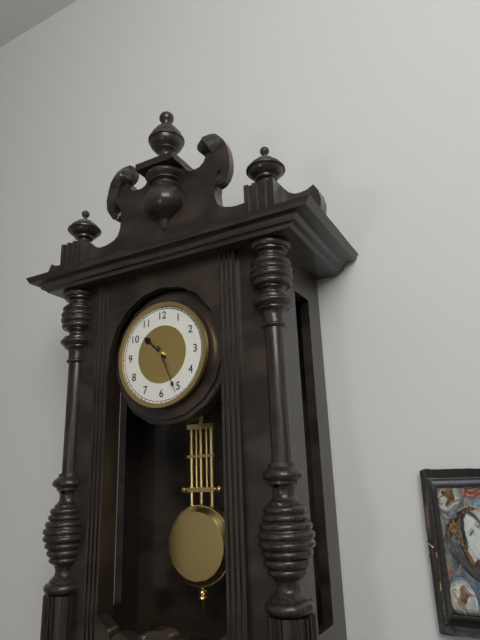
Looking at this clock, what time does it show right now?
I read 10:26
